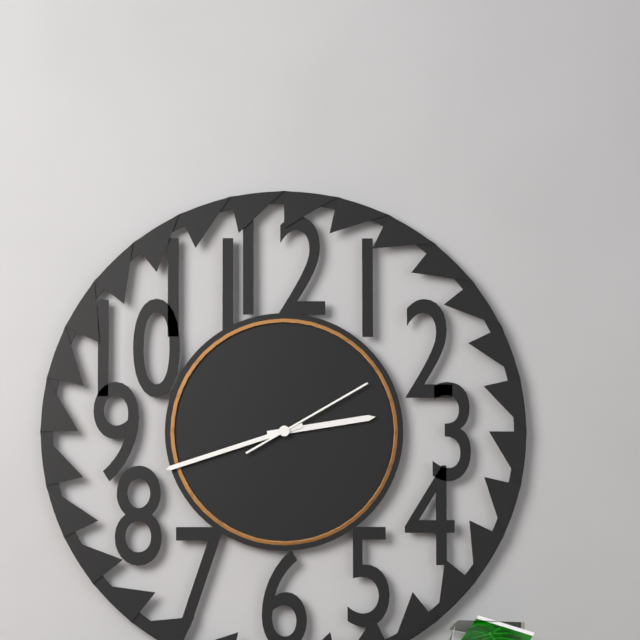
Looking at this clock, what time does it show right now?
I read 2:42:10
